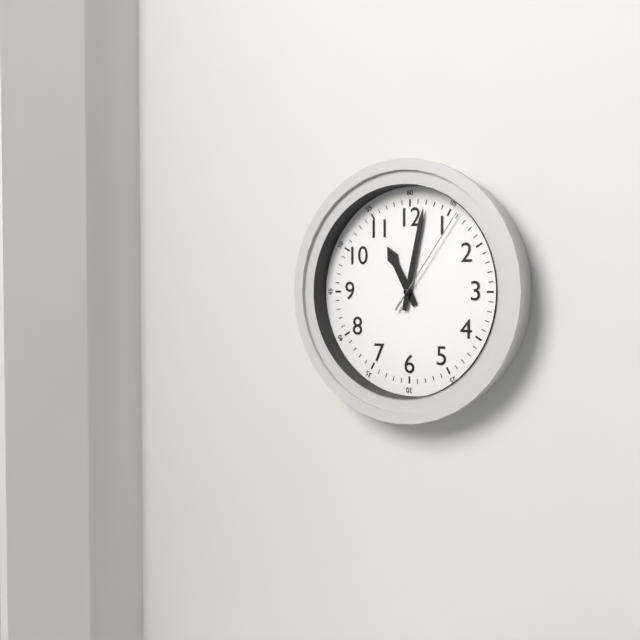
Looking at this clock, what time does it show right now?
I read 11:02:06
